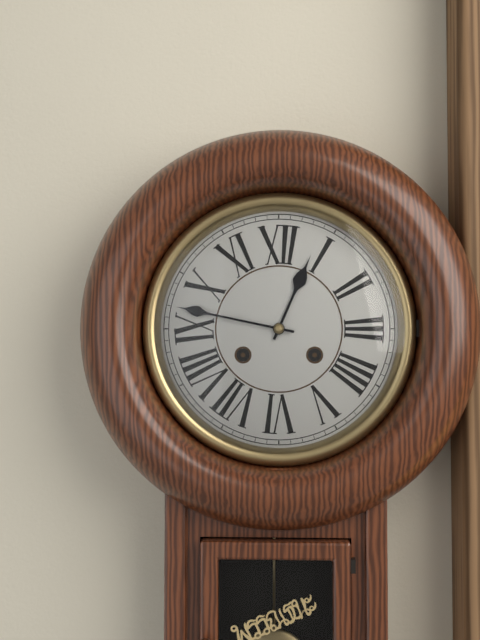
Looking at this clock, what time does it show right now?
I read 12:47
